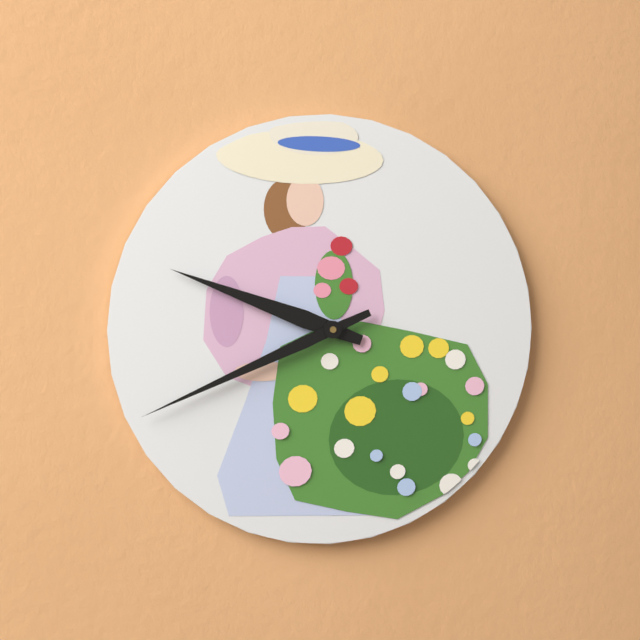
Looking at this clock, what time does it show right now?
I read 9:41
